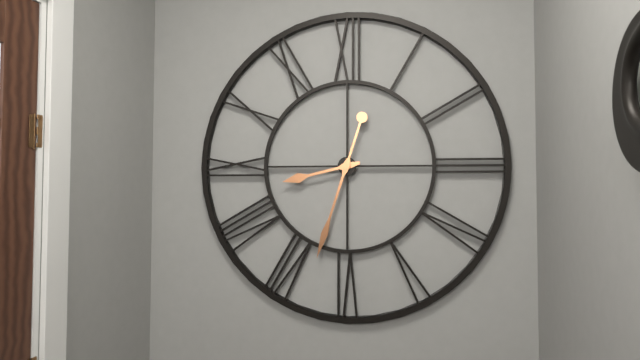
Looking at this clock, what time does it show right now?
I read 8:33
